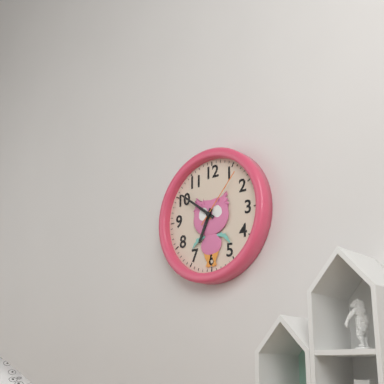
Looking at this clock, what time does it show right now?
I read 6:51:07
